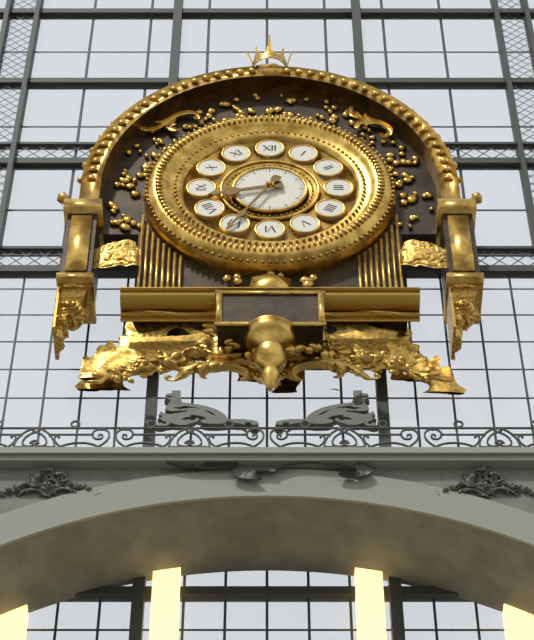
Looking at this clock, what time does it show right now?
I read 8:35
